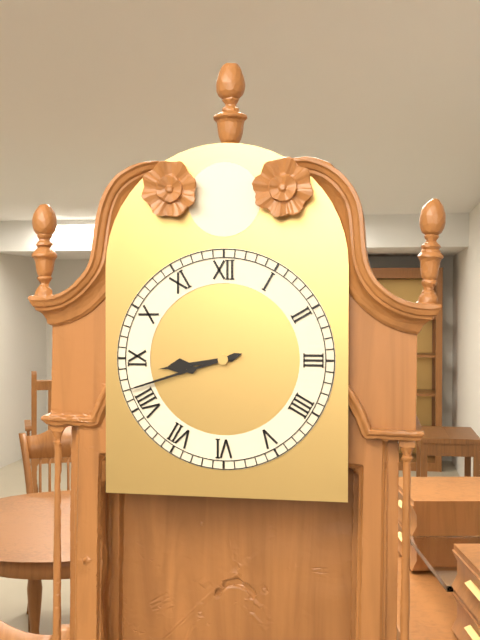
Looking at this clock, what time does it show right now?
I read 8:42
